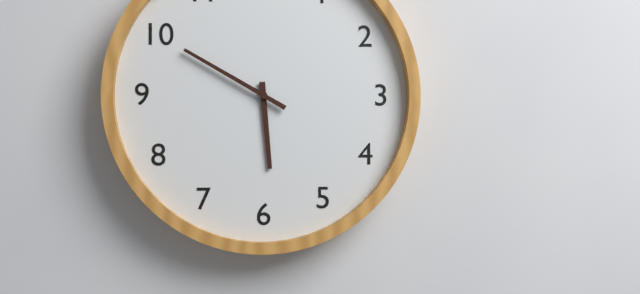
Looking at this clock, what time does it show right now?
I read 5:50
